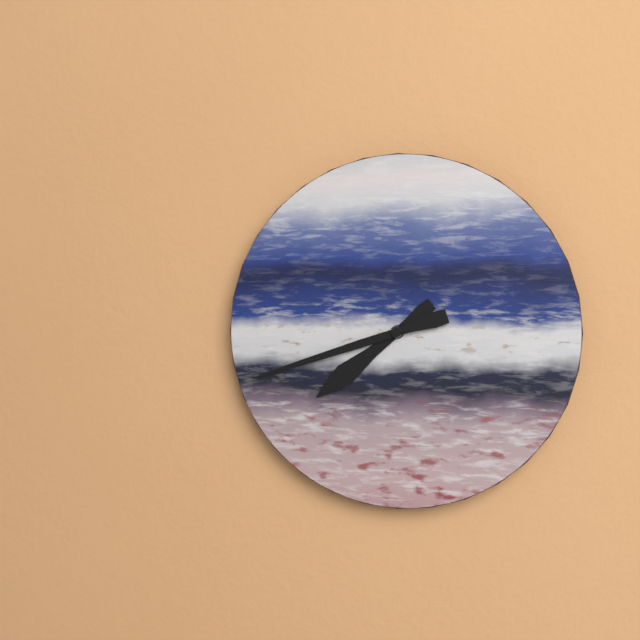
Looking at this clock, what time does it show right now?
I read 7:42
